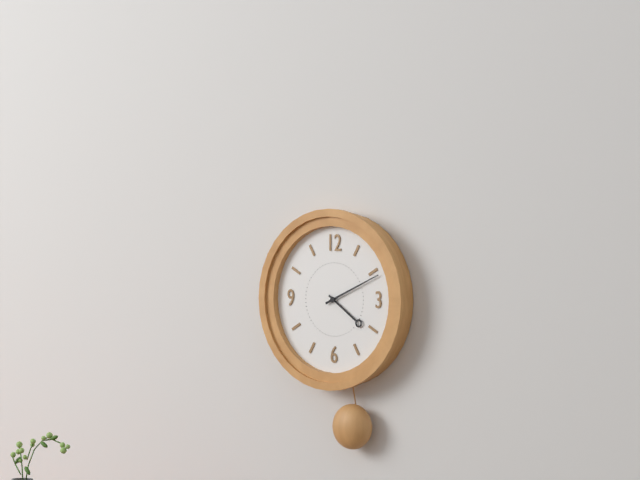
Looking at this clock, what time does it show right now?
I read 4:11
